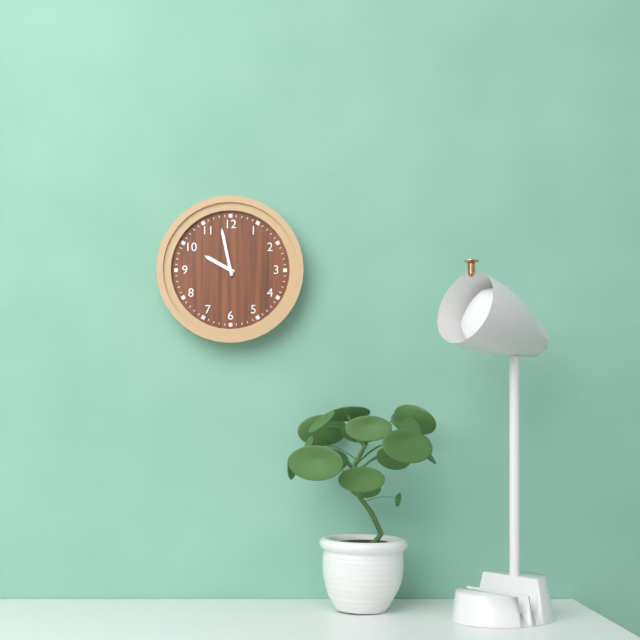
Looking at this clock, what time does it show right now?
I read 9:58
